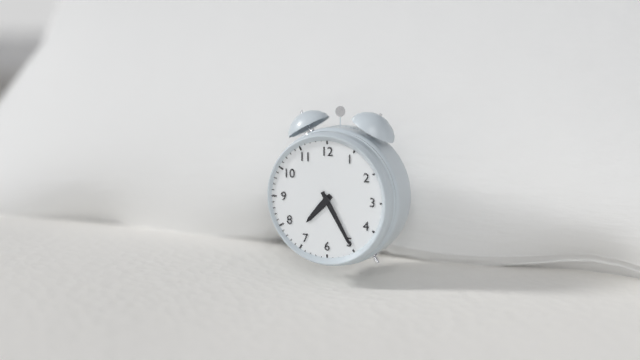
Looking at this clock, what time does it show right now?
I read 7:25
